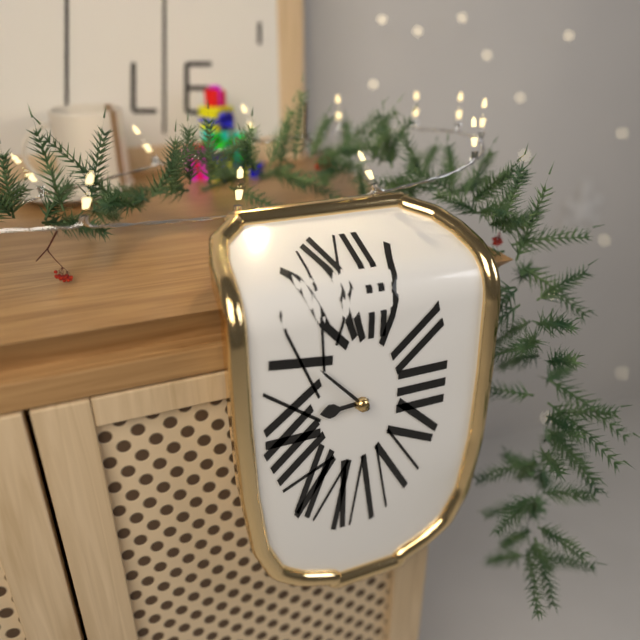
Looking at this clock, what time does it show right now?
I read 8:53
